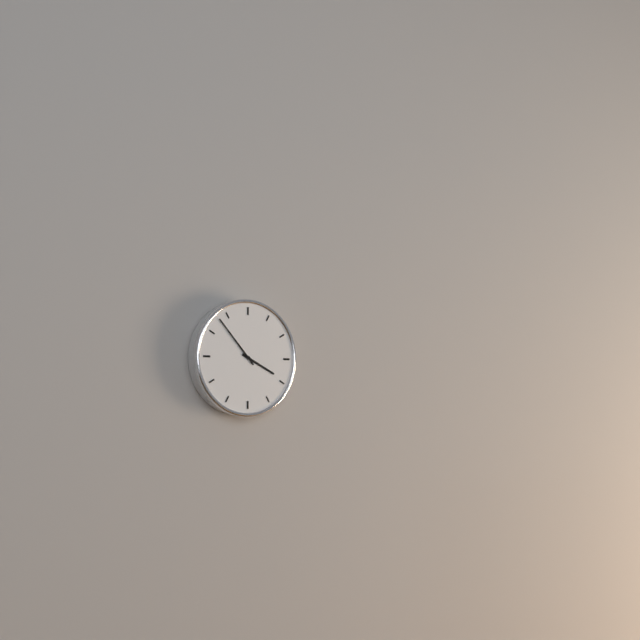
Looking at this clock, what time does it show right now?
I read 3:53
